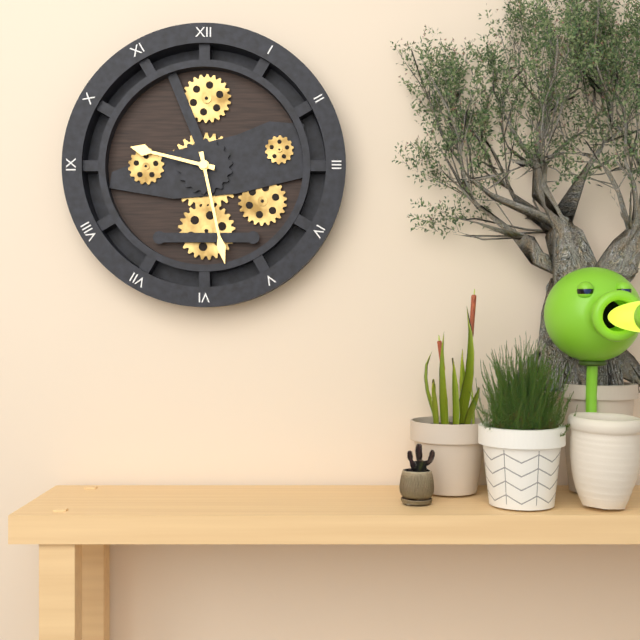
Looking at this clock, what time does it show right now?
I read 9:28
